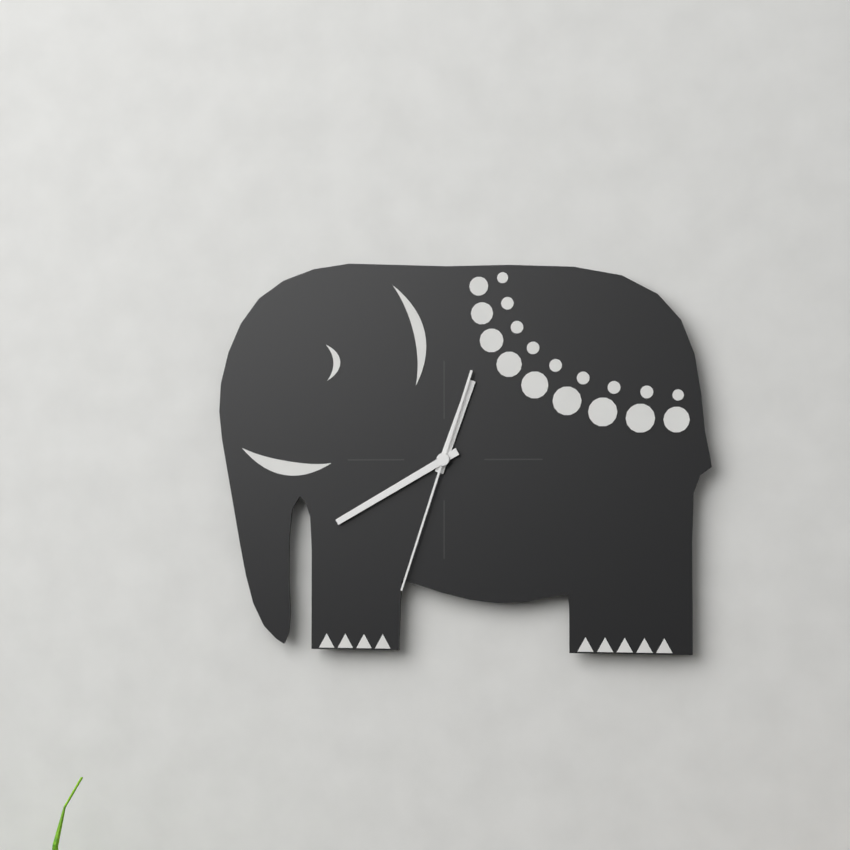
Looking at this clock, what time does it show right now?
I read 12:40:33
